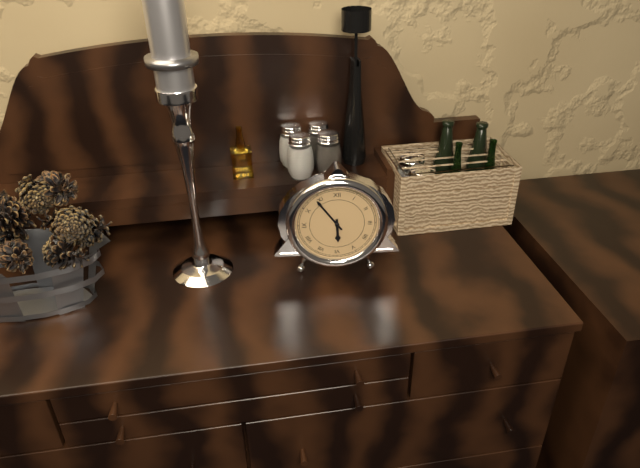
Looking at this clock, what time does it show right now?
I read 5:54
